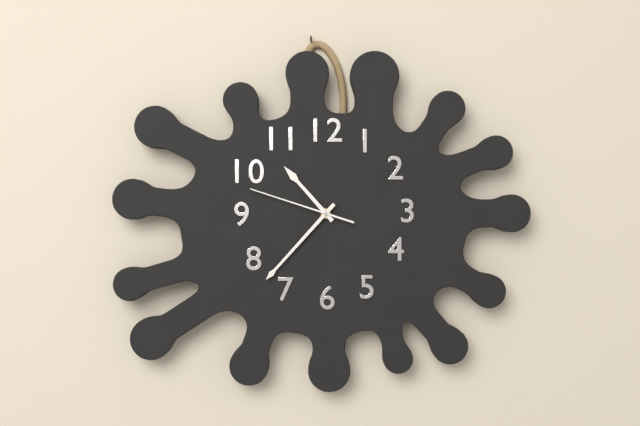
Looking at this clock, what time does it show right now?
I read 10:37:48
